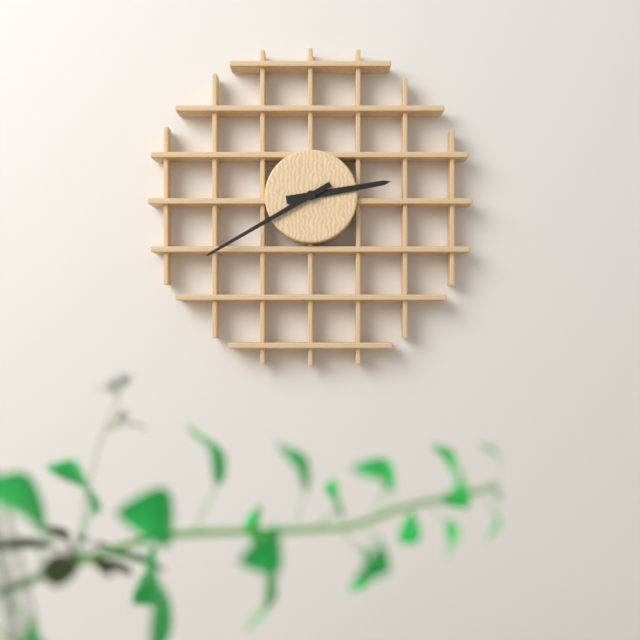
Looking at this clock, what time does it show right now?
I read 2:40
